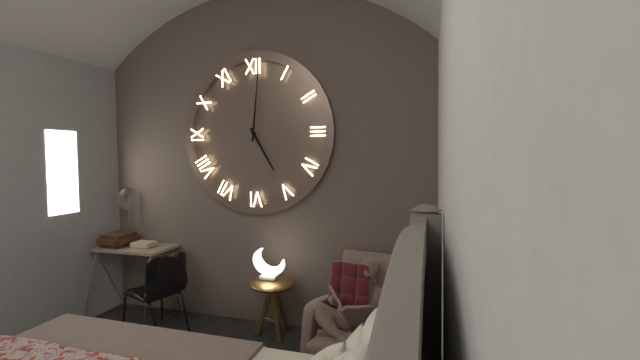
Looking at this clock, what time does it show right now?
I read 5:01
